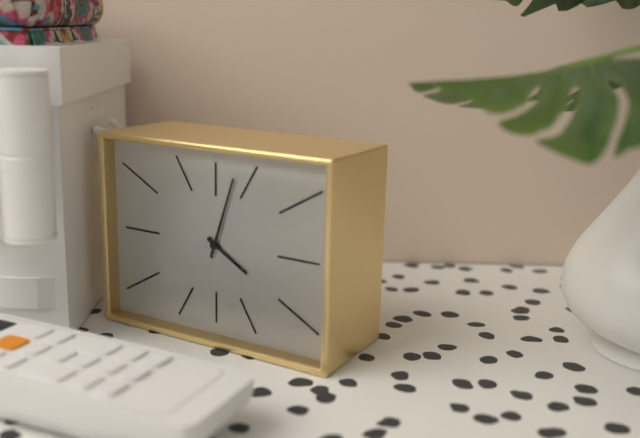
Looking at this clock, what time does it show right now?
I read 4:03
